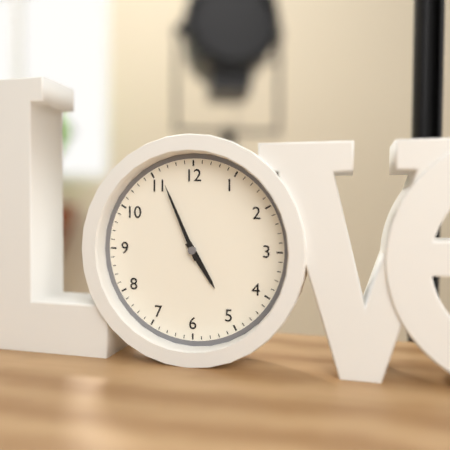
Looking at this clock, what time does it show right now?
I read 4:56
